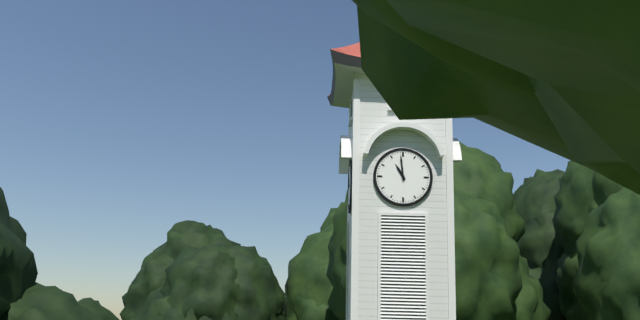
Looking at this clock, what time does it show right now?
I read 10:59
